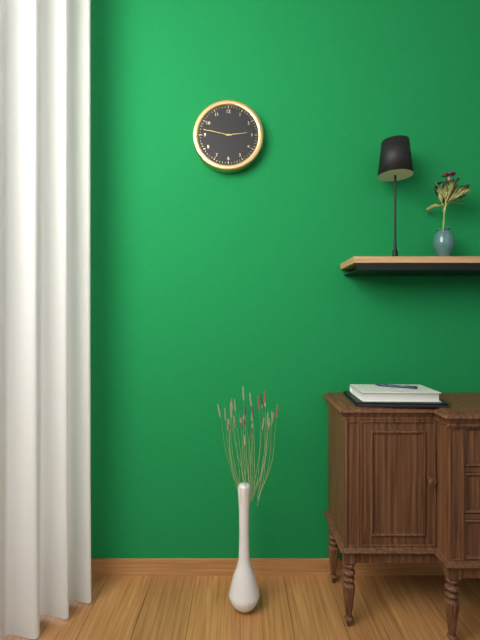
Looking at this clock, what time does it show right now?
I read 2:47
